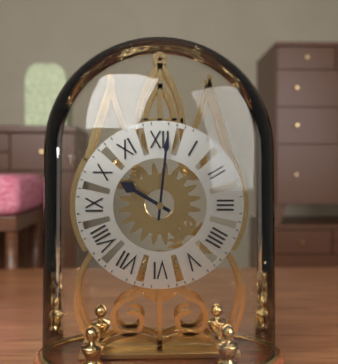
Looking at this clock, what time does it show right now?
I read 10:01
